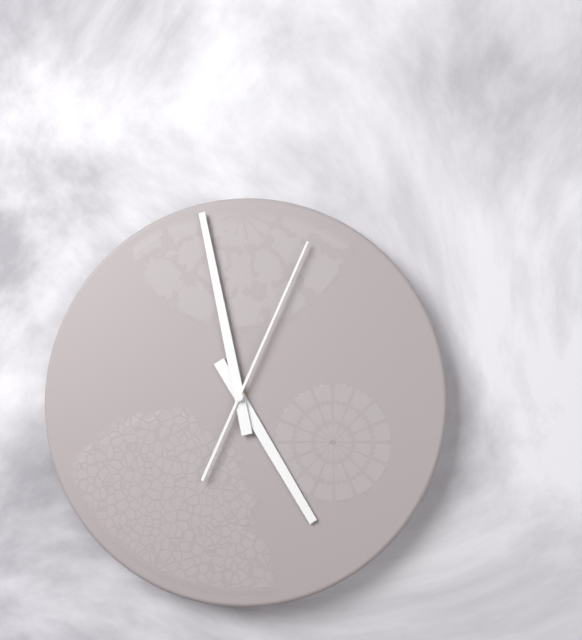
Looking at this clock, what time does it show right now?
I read 4:58:04
